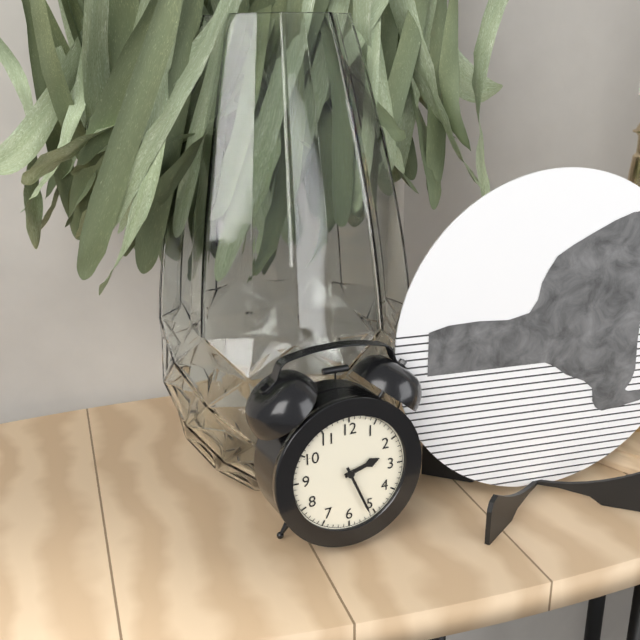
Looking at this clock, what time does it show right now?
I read 2:26
